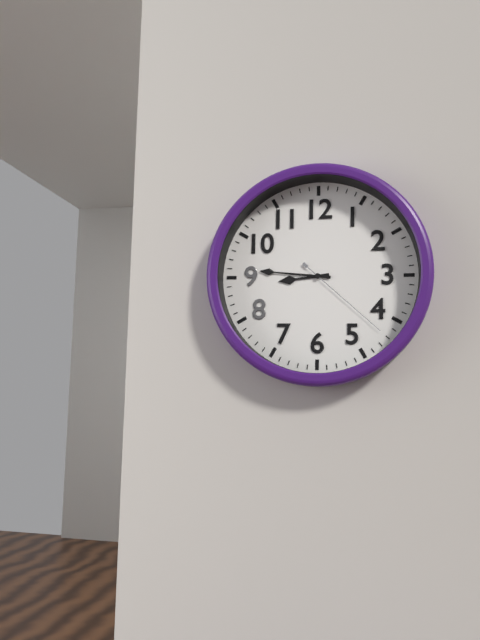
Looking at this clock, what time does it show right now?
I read 8:46:22
